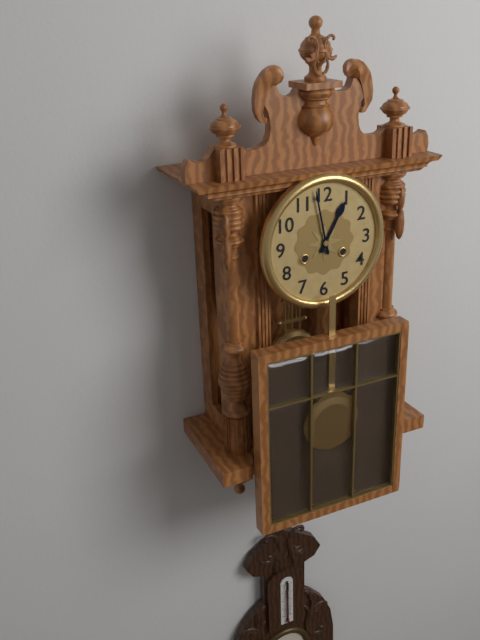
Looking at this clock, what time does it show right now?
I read 12:58
